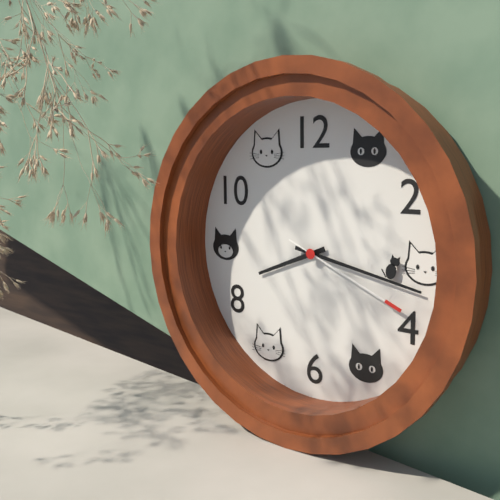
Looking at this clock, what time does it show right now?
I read 8:17:19
